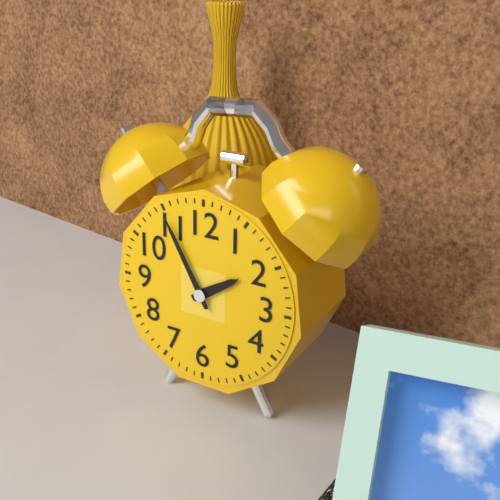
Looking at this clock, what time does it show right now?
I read 1:55
